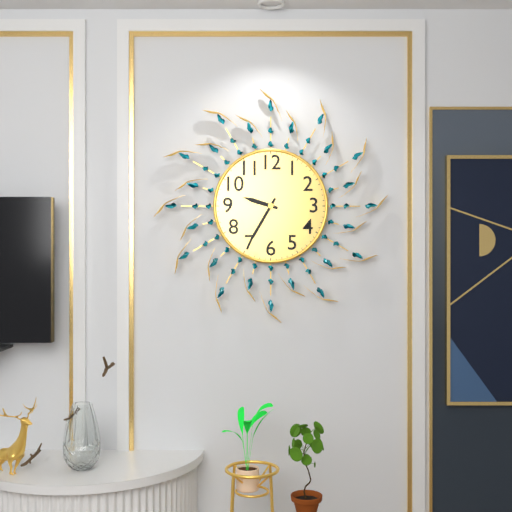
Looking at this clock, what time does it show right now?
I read 9:35
